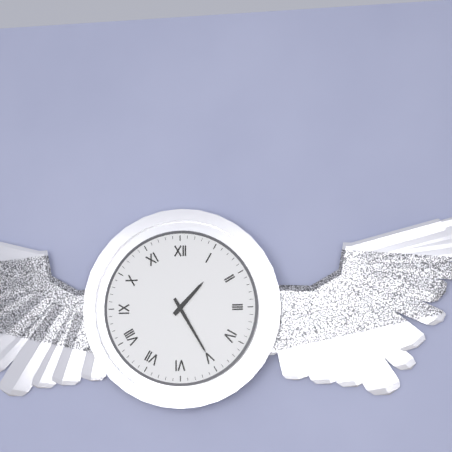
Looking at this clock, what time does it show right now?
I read 1:25
